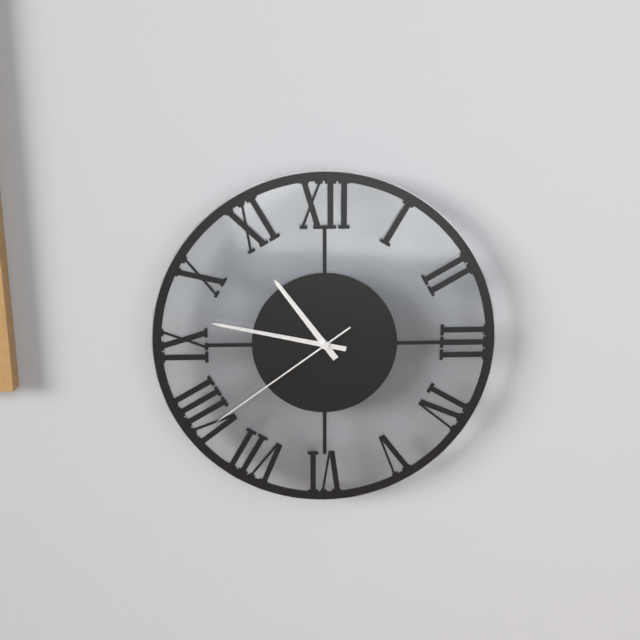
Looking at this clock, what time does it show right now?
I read 10:47:39
